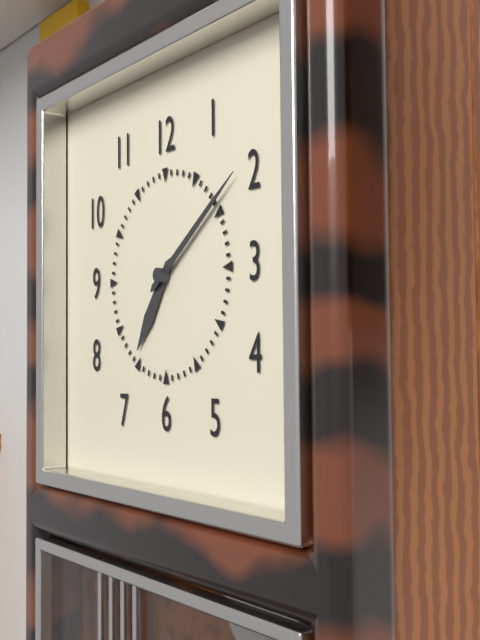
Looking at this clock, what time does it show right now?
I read 7:09
